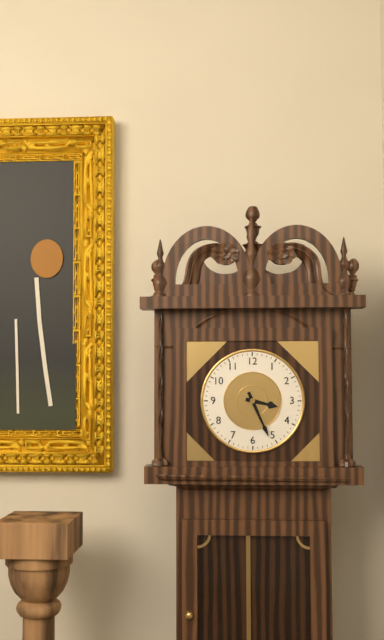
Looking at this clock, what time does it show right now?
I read 3:26
